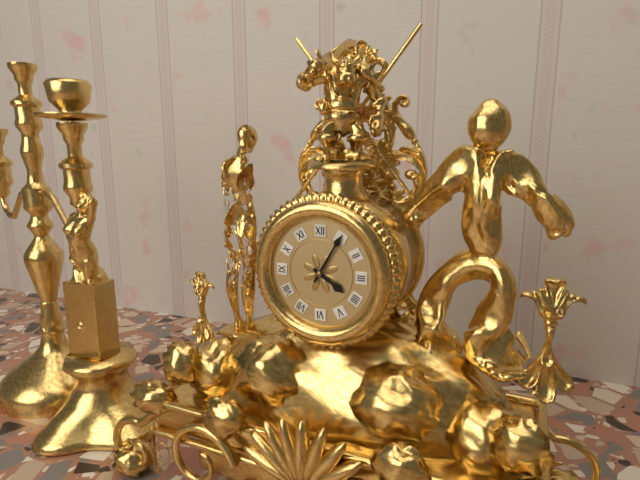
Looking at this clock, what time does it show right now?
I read 4:05
